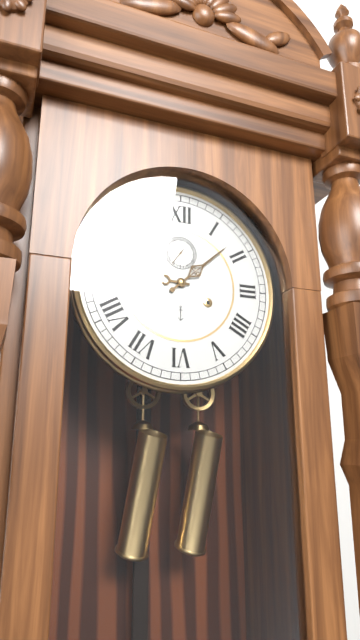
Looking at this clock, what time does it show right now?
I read 9:08
